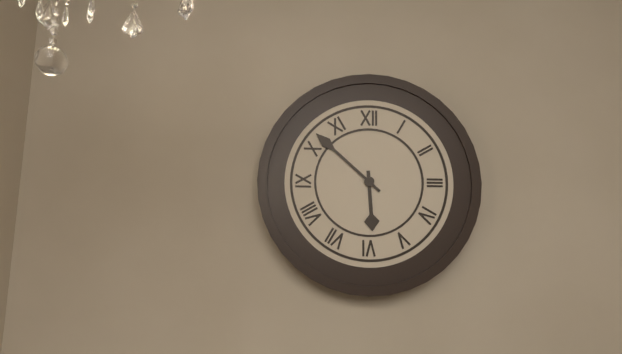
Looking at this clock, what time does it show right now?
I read 5:52
